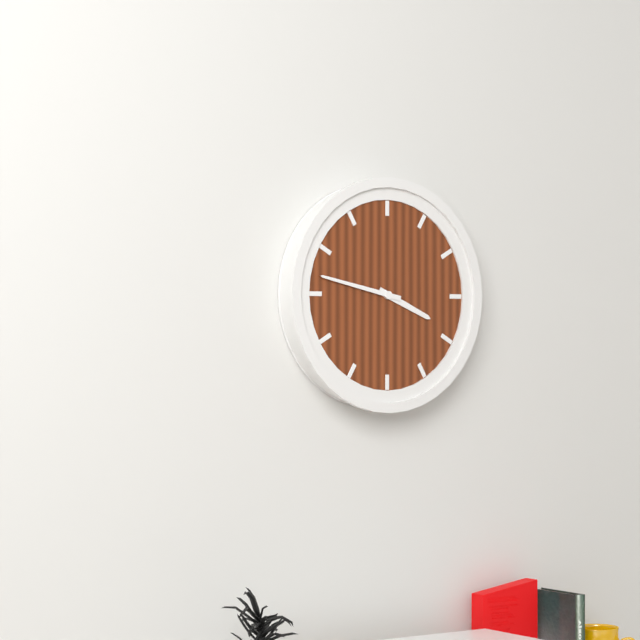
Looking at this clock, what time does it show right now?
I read 3:47
